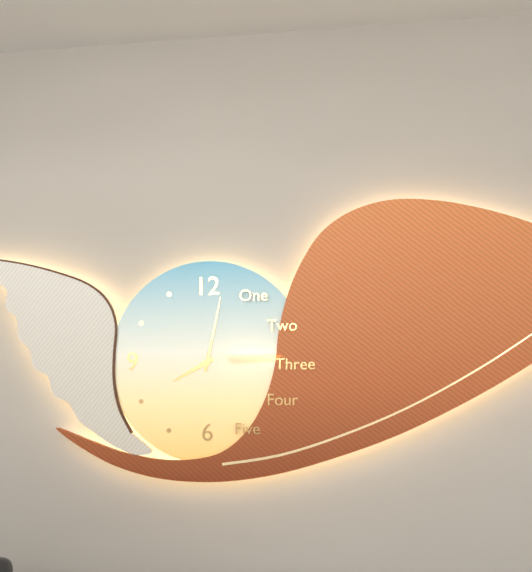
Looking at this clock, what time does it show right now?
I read 8:02
